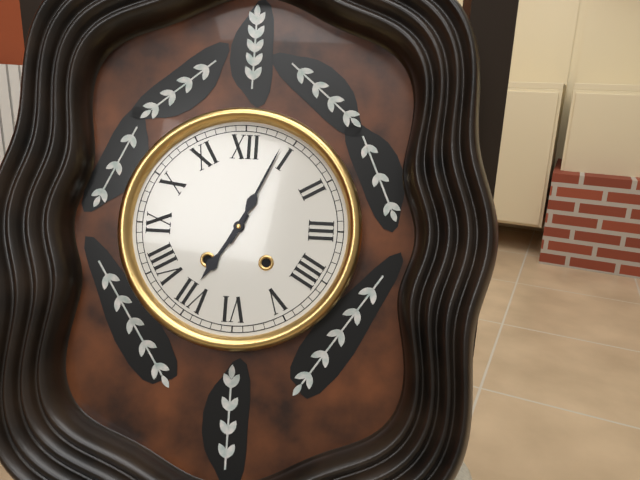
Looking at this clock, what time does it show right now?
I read 7:04
